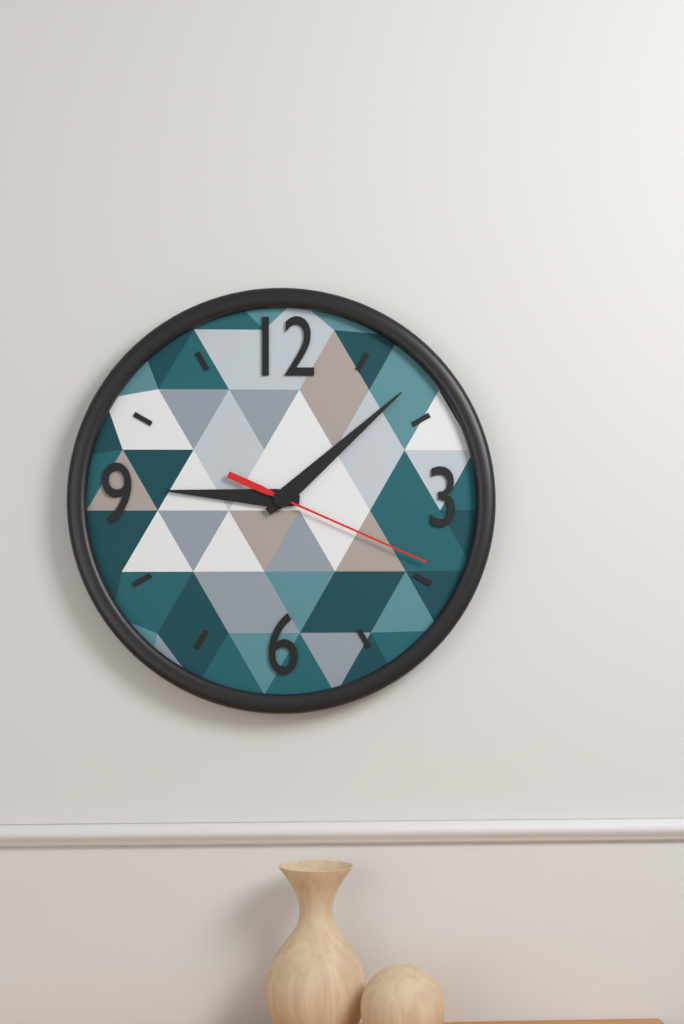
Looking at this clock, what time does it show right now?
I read 9:08:19
